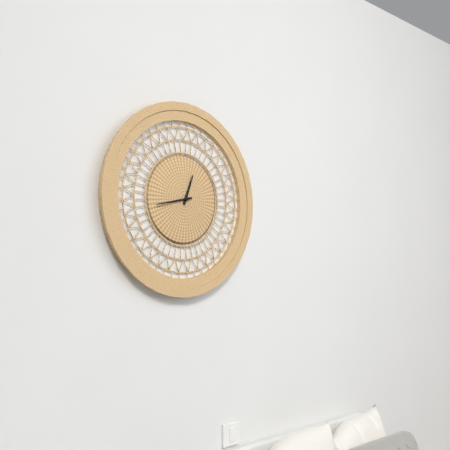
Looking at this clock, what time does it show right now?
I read 12:43
